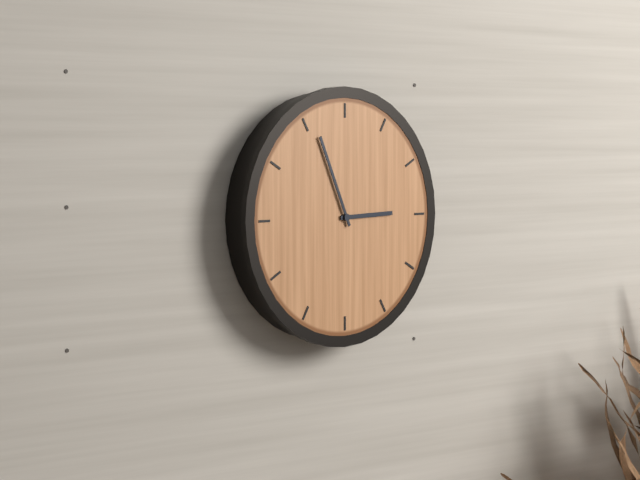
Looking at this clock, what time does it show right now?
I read 2:56
